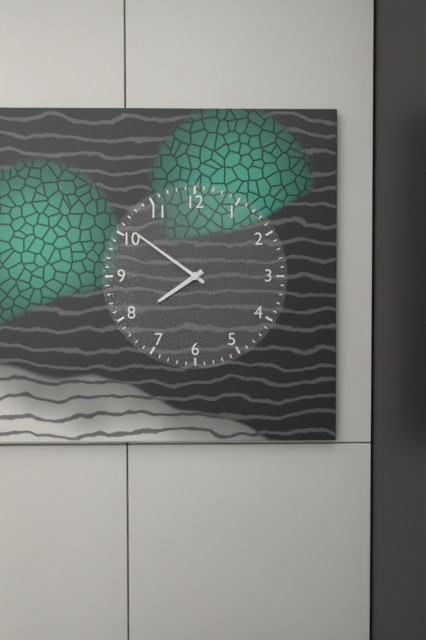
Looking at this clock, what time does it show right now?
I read 7:51
